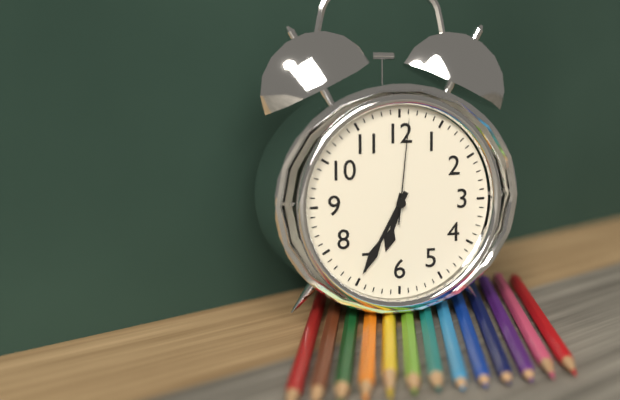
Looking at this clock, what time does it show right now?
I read 6:35:01
